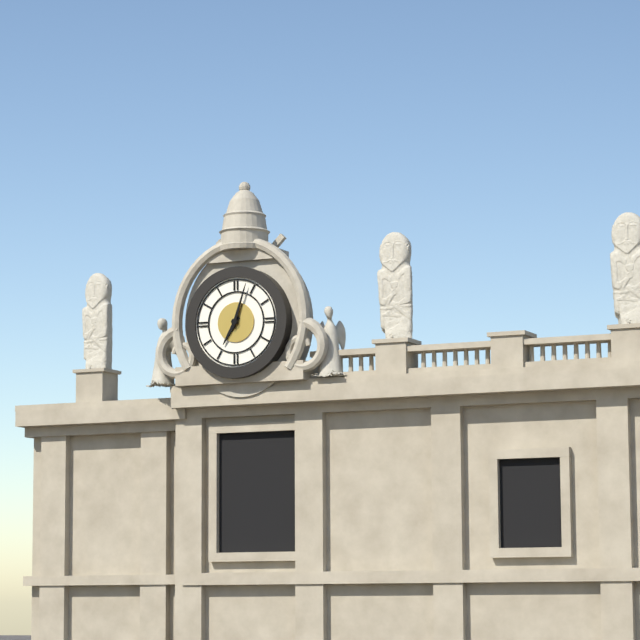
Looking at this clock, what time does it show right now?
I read 7:03
